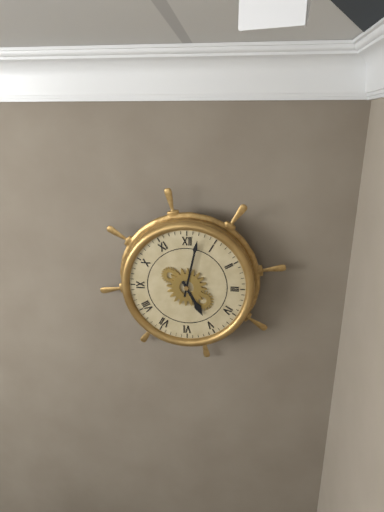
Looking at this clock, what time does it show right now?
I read 5:02
